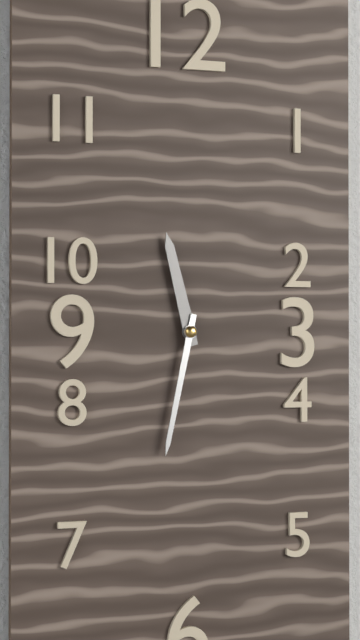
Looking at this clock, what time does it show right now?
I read 11:32
